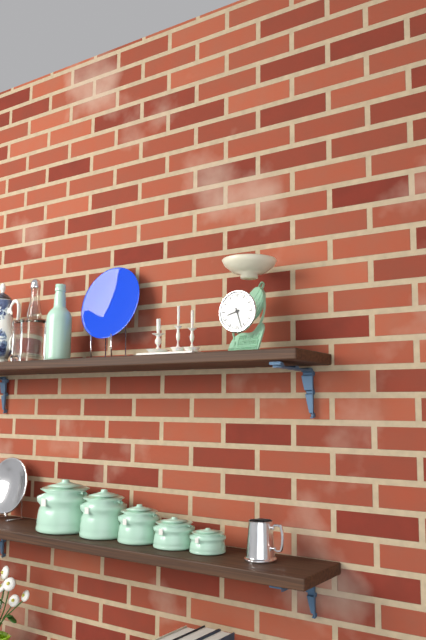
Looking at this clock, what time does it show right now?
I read 8:27
